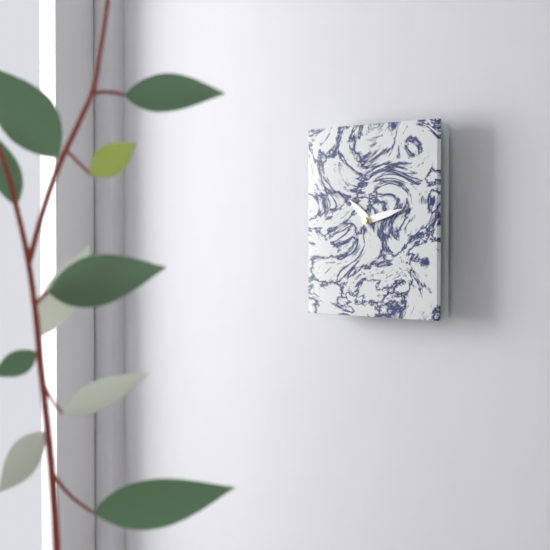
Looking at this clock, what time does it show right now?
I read 10:13
